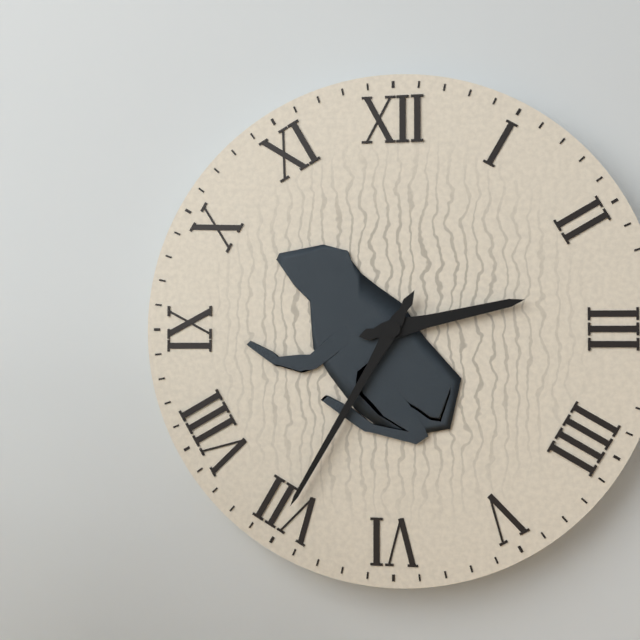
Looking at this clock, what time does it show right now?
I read 2:35
